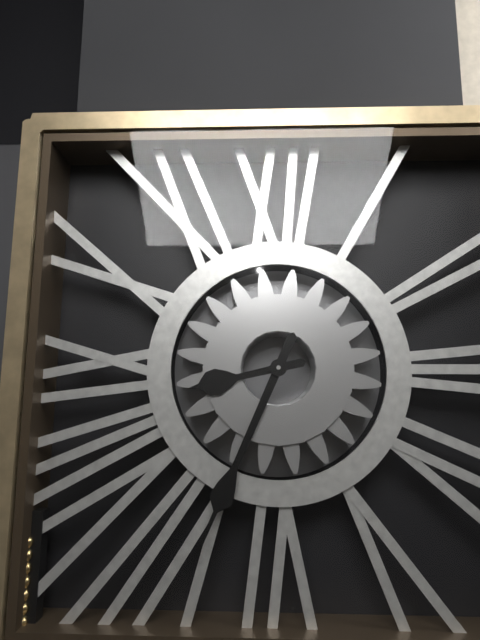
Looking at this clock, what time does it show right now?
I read 8:34
